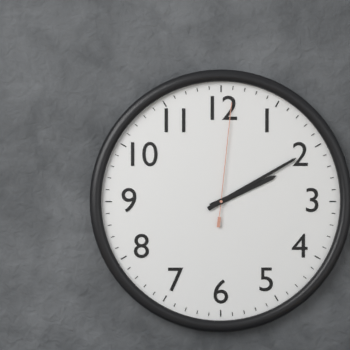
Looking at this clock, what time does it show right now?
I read 2:10:01
